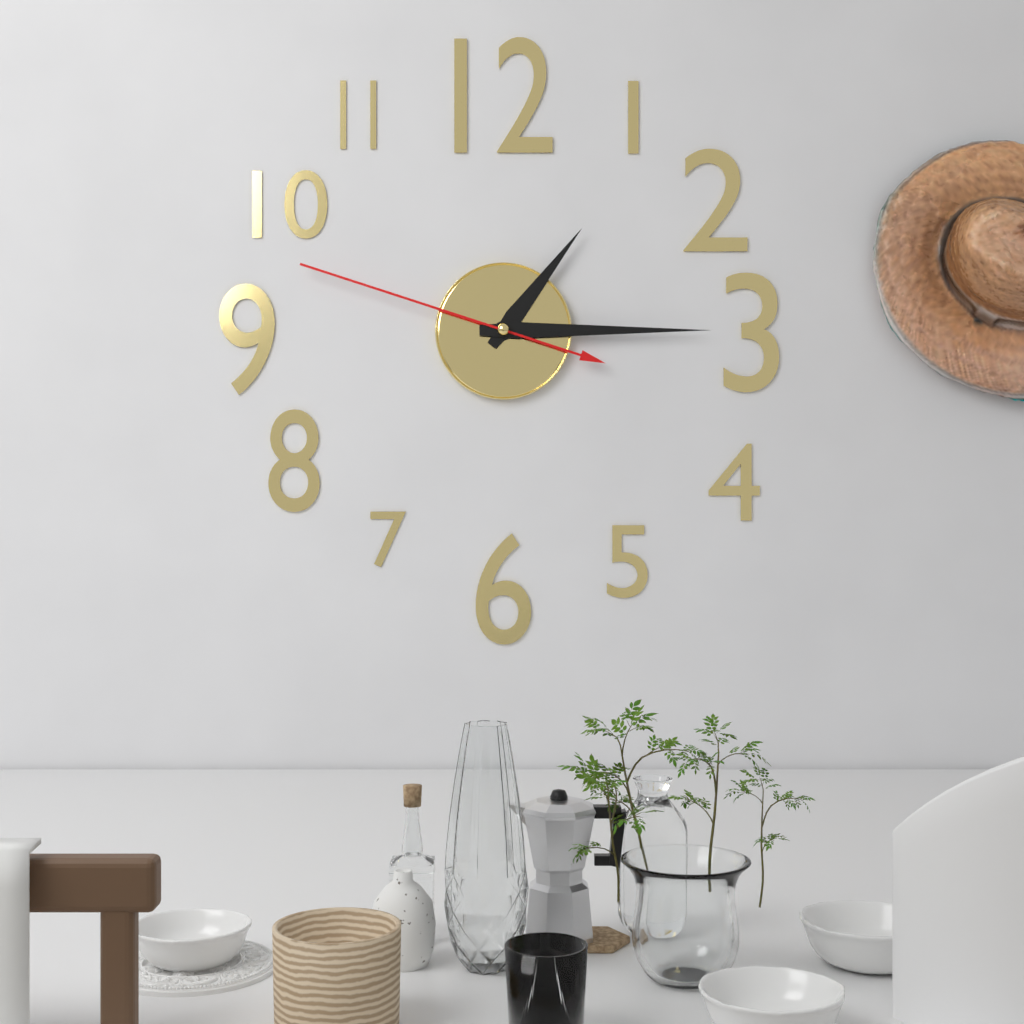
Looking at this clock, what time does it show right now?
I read 1:15:48
